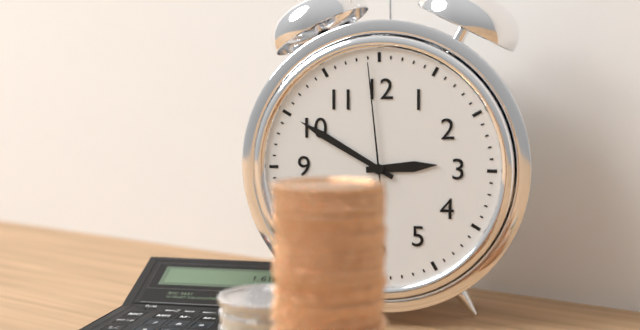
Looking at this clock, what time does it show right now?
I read 2:50:59
